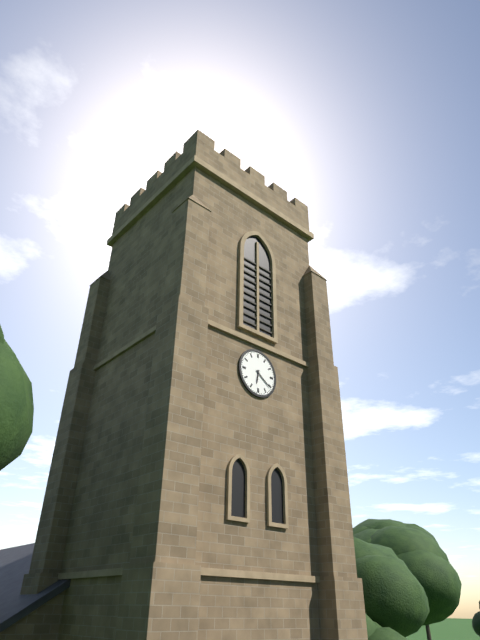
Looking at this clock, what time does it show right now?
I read 6:21
